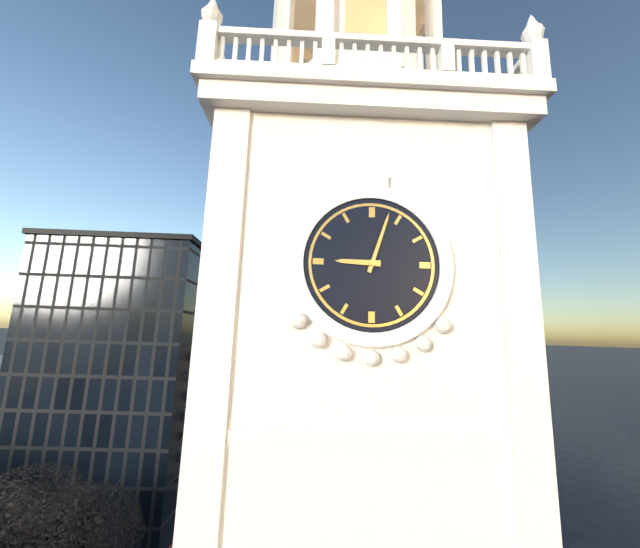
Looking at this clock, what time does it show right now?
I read 9:03
